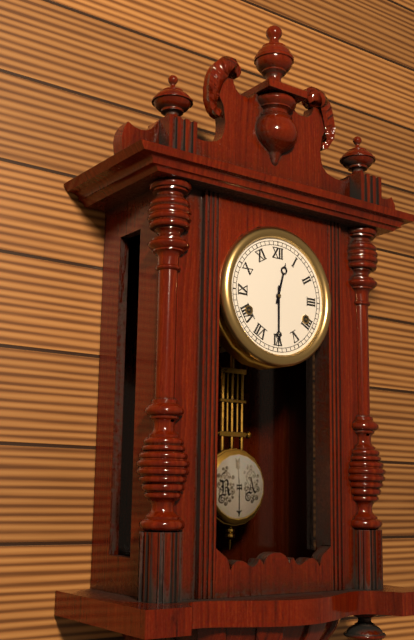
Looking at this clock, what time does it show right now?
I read 12:30
